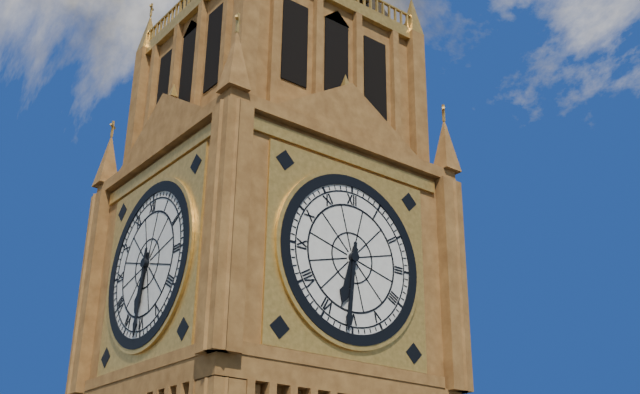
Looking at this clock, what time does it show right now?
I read 6:31
